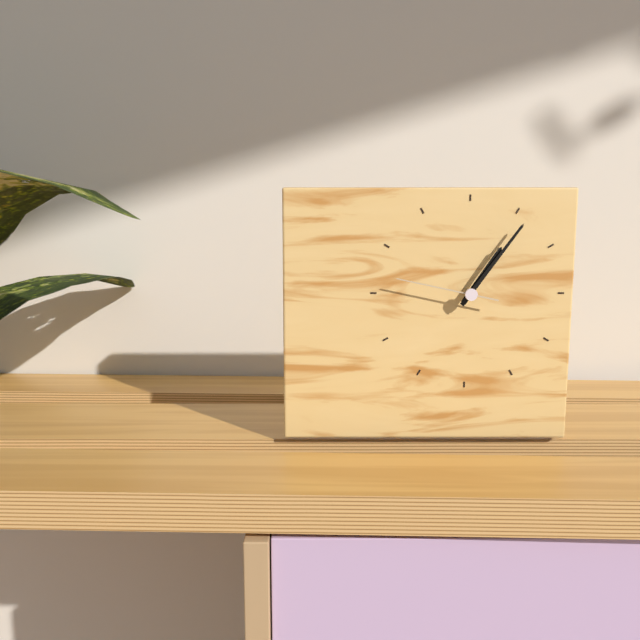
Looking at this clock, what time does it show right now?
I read 1:06:47
